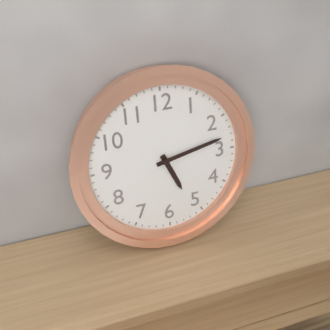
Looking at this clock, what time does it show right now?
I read 5:13
